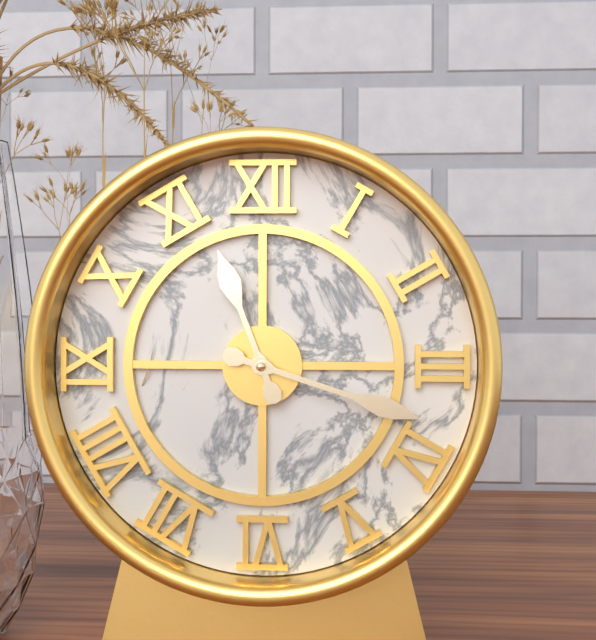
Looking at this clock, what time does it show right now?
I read 11:18
